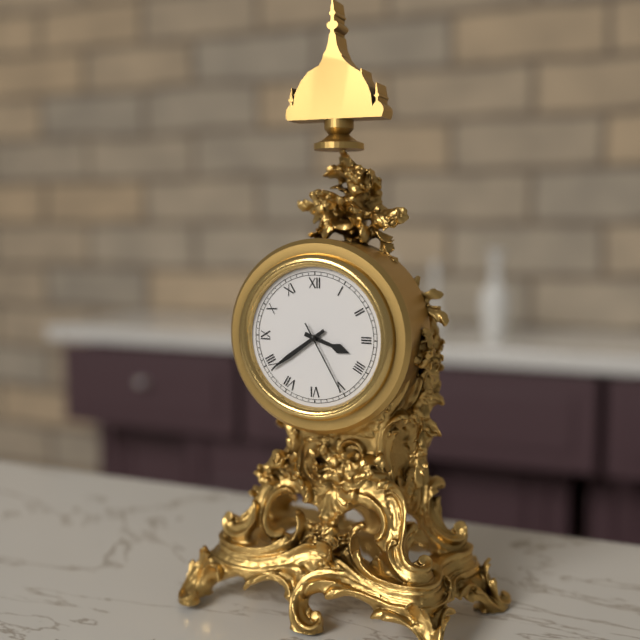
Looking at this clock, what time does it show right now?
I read 3:39:25
